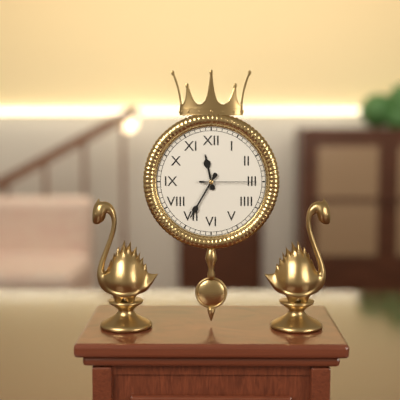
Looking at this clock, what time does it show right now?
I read 11:35:15
